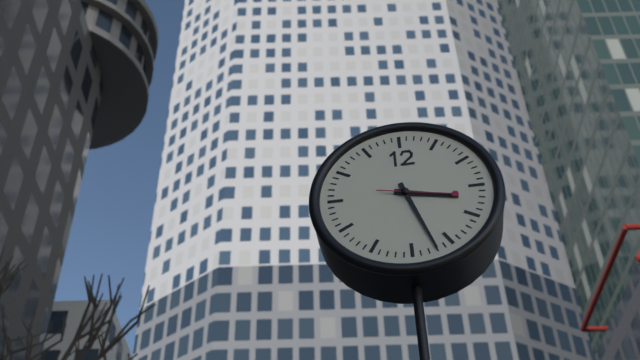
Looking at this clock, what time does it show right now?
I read 3:27:17
